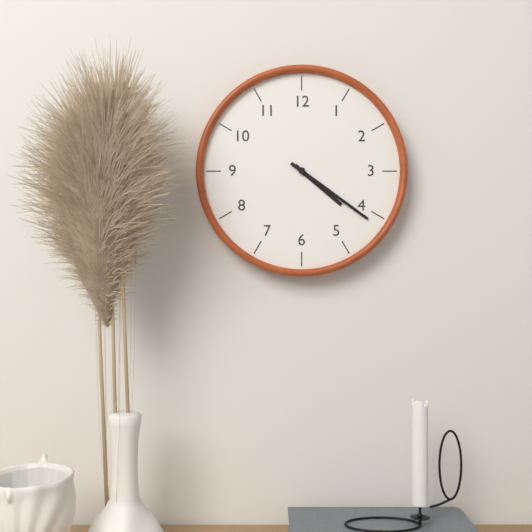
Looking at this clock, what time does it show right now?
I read 4:21
